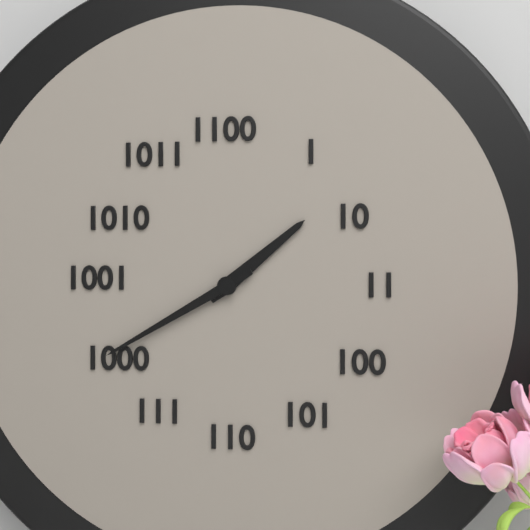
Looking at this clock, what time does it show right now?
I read 1:40
